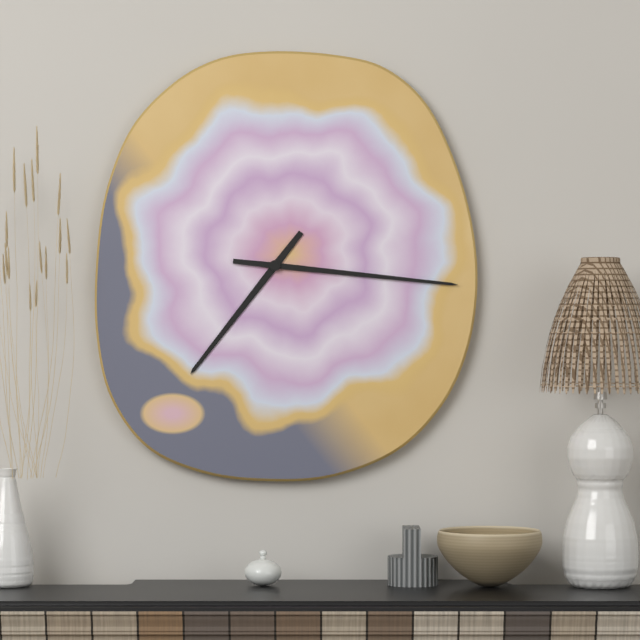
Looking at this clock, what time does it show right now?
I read 7:16
